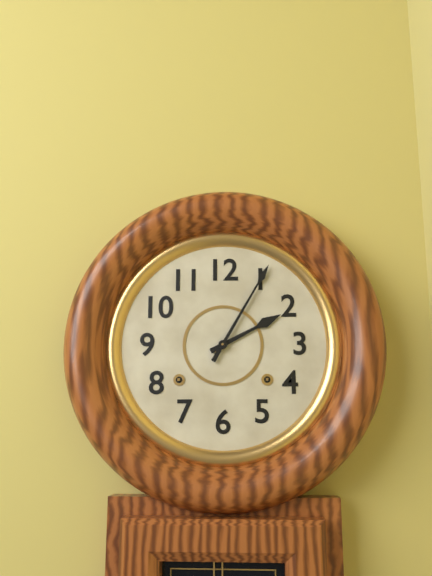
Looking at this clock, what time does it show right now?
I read 2:05
